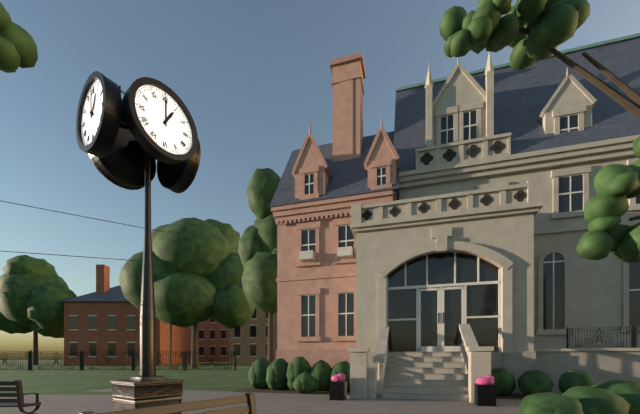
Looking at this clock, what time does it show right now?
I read 1:00
